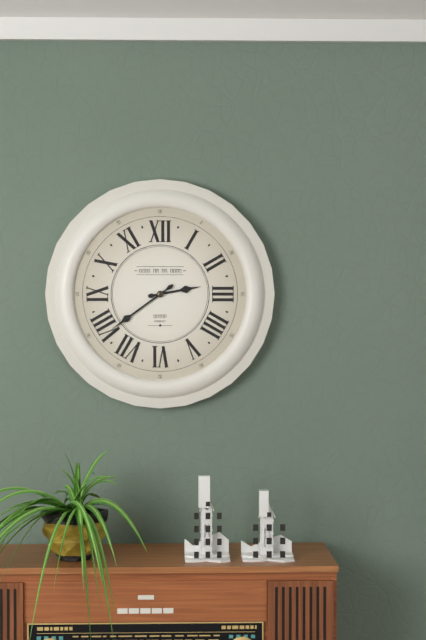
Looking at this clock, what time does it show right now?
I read 2:39
